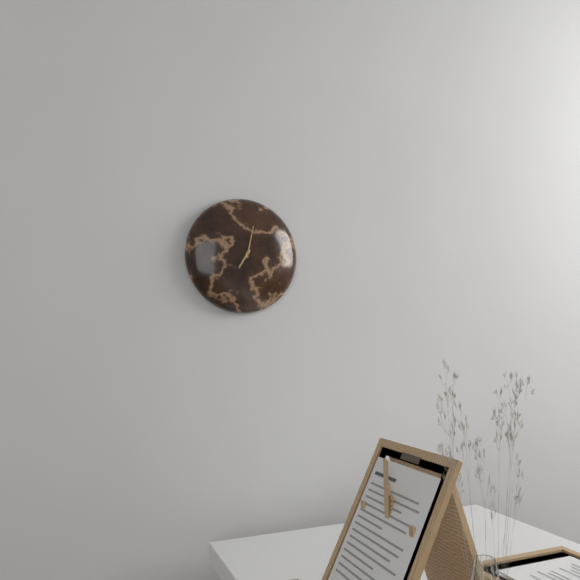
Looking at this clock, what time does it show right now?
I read 7:02
